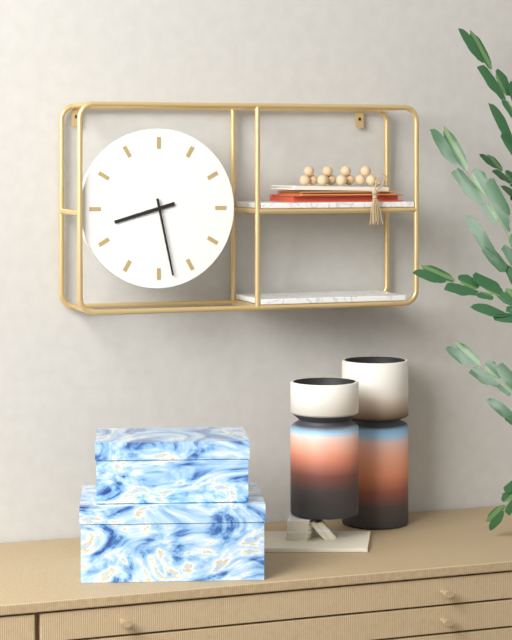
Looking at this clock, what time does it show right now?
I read 8:28
